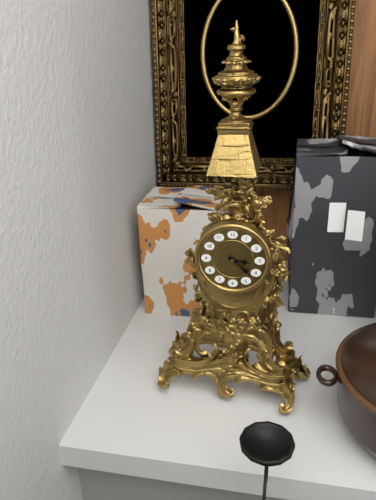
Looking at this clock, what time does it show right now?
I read 3:22
